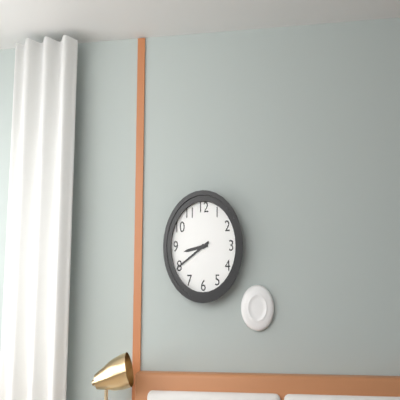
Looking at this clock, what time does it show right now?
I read 8:40
